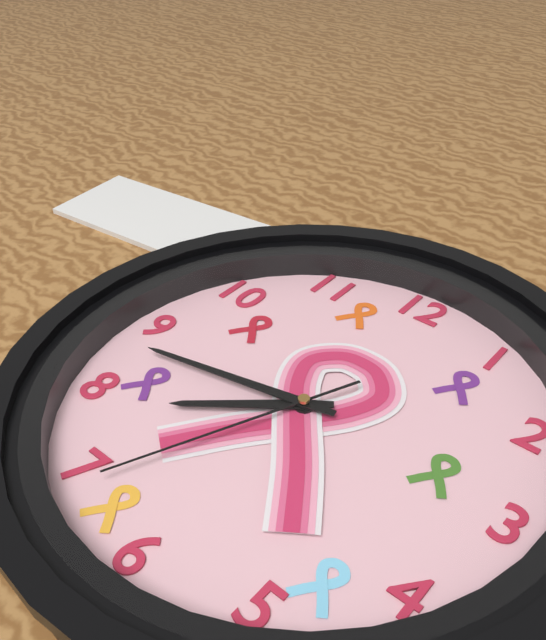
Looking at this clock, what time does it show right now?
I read 7:43:34
